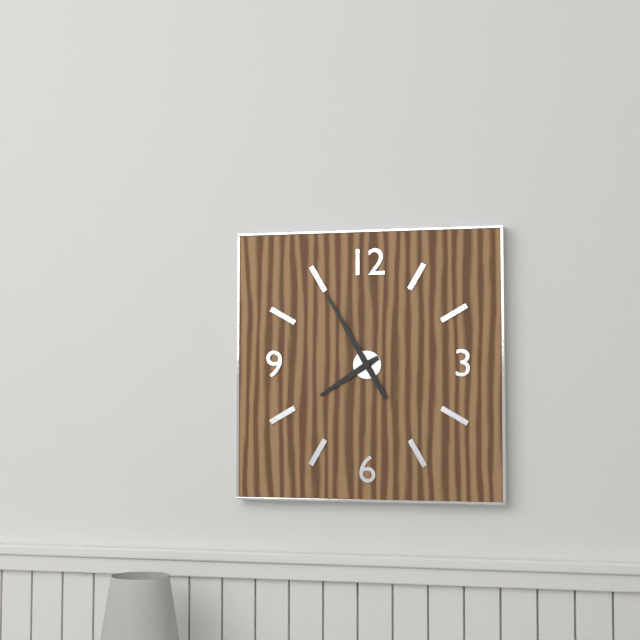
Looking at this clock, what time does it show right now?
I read 7:55
